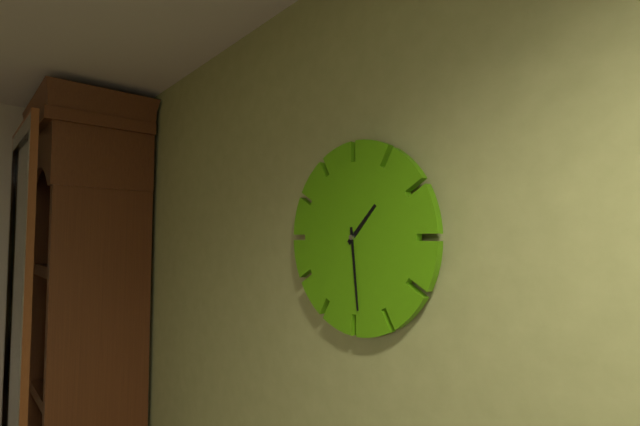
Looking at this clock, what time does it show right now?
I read 1:29
